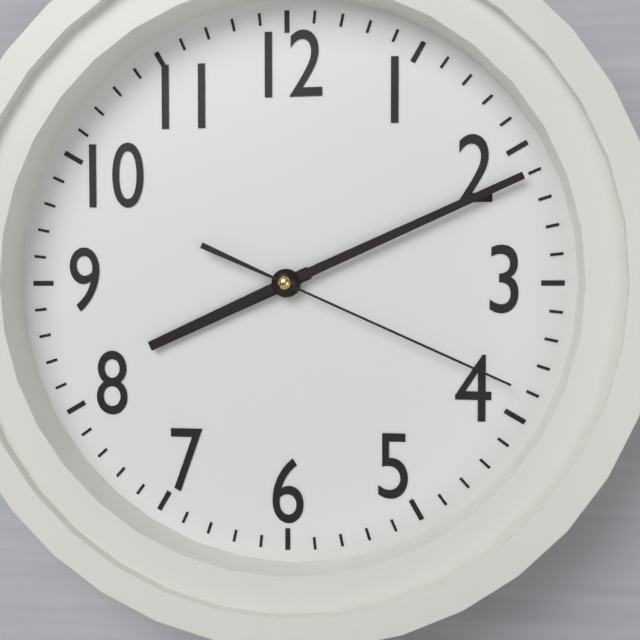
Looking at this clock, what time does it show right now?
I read 8:11:19
